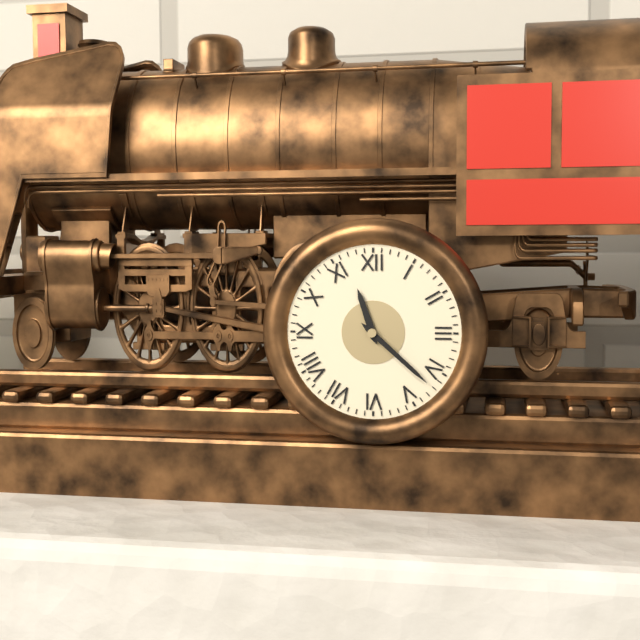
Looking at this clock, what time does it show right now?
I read 11:22
